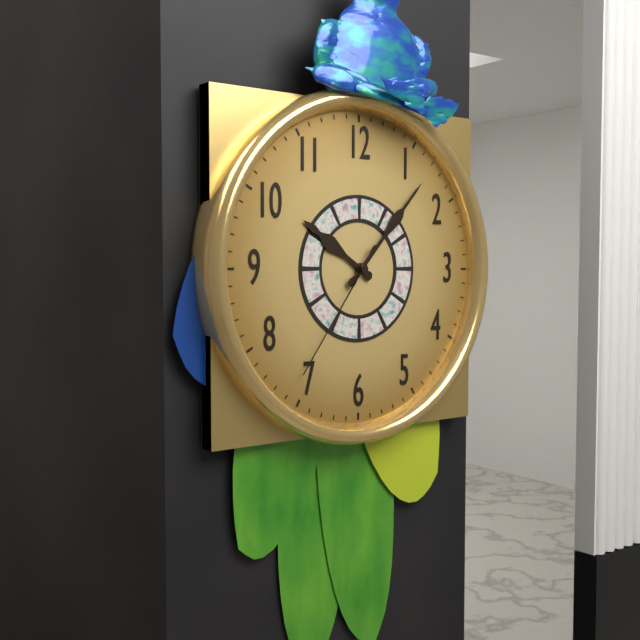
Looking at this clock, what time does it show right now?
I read 10:07:36
